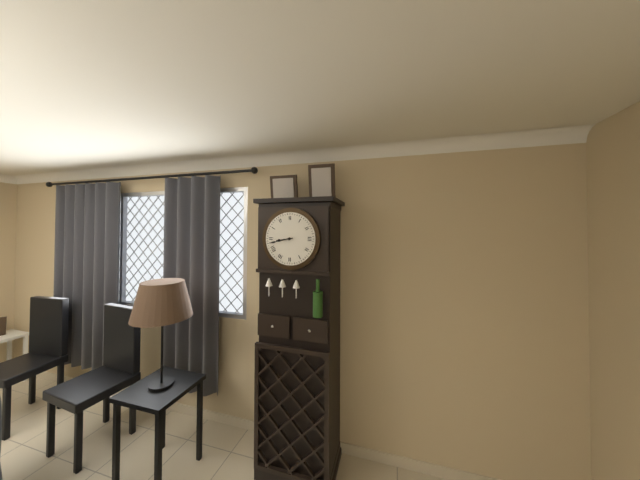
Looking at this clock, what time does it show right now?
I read 8:43
